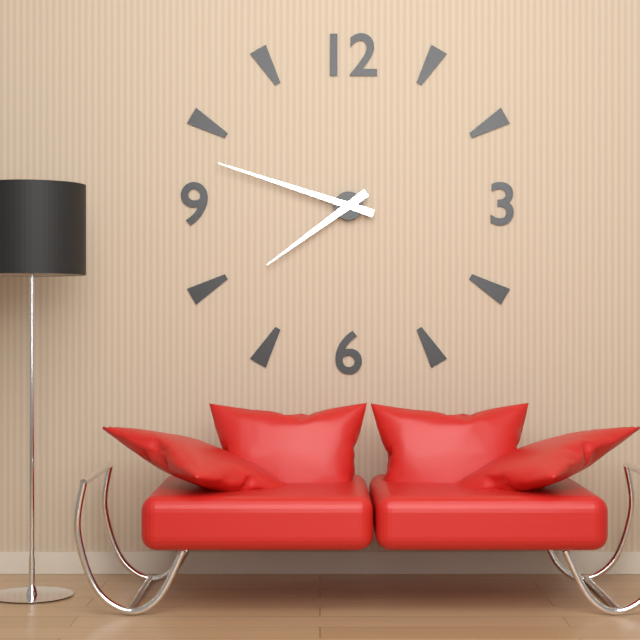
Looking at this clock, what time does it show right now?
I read 7:48
